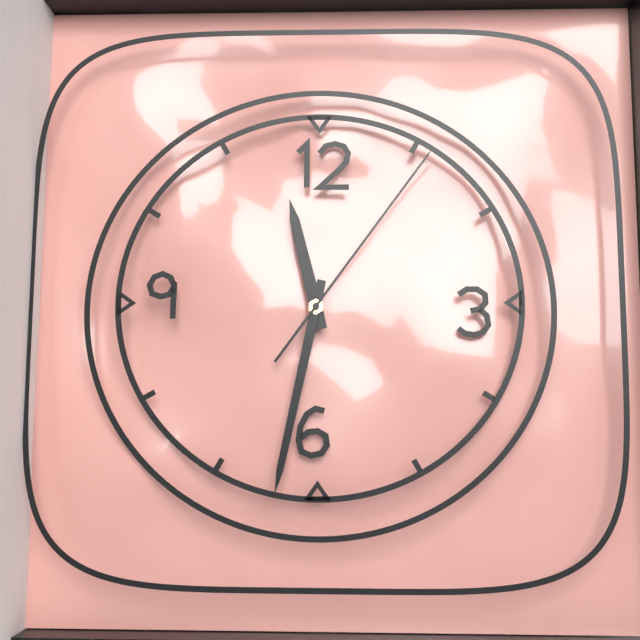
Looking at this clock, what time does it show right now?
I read 11:32:06
